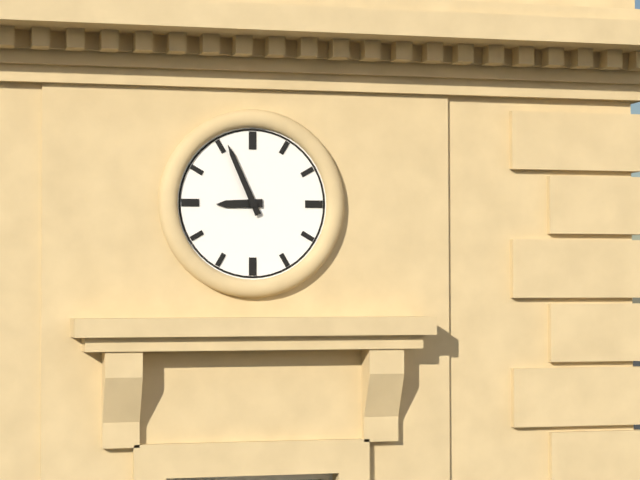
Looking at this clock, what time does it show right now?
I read 8:56
